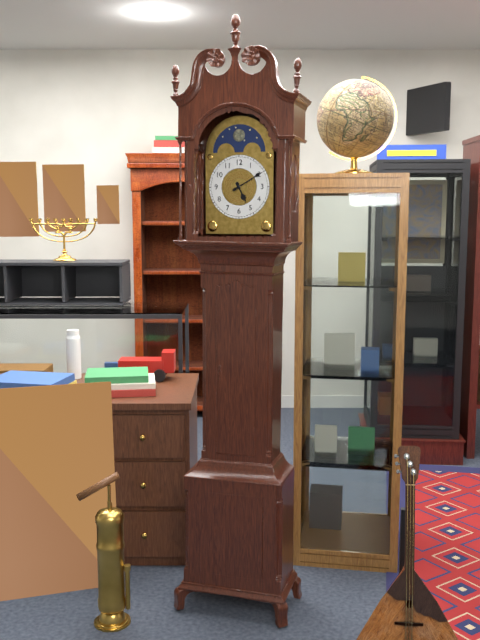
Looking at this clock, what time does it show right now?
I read 5:10
